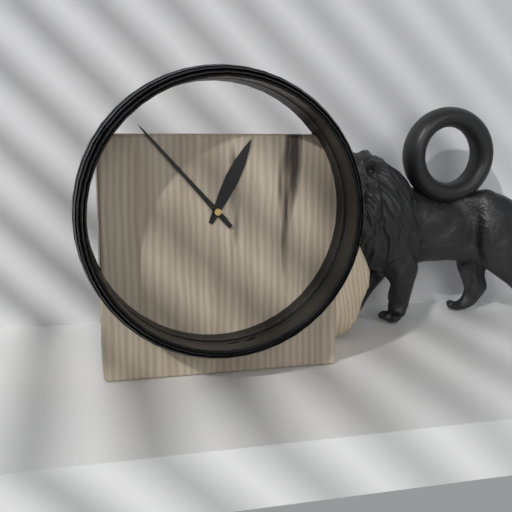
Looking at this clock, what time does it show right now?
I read 12:53
